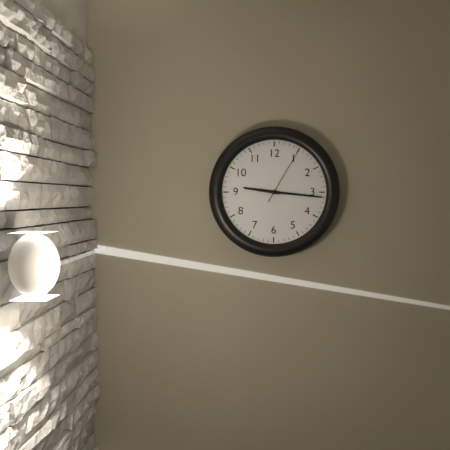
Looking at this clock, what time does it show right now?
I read 9:16:05
